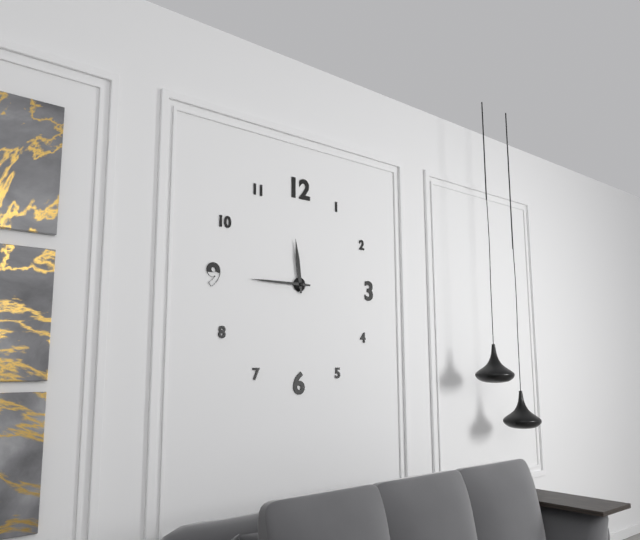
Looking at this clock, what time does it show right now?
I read 11:45
